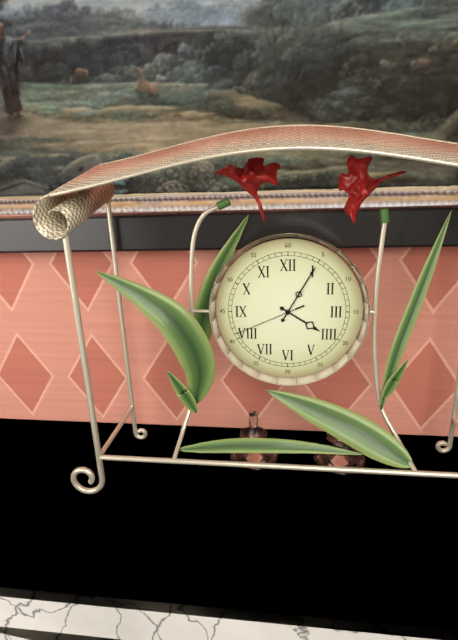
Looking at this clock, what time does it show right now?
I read 4:05:41
